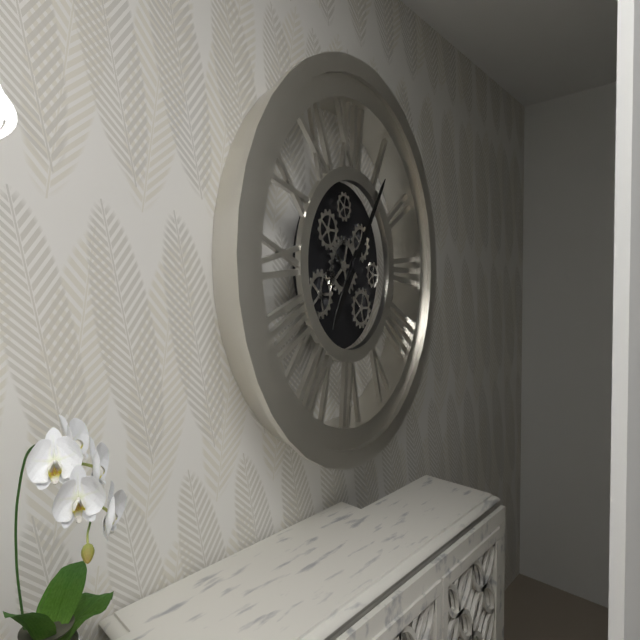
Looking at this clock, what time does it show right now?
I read 7:06
